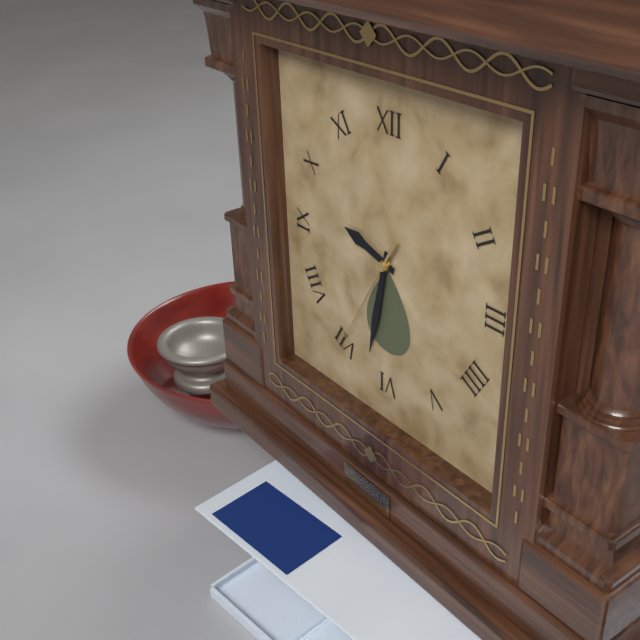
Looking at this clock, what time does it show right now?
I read 9:32:35
